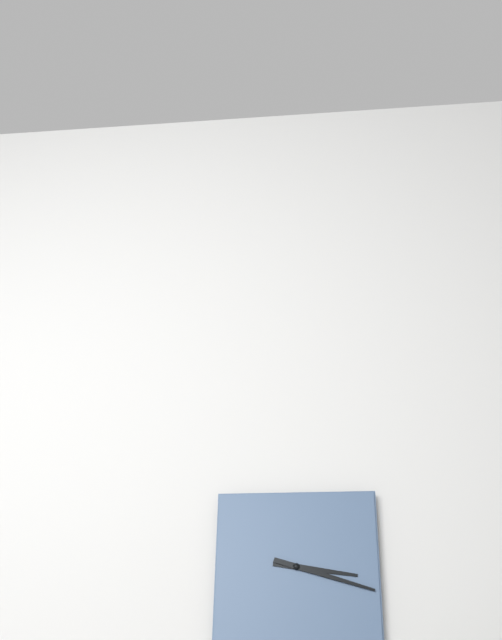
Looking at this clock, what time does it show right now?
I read 3:18
